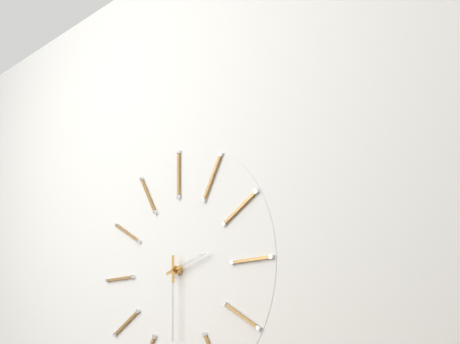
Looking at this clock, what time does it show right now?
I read 2:30
